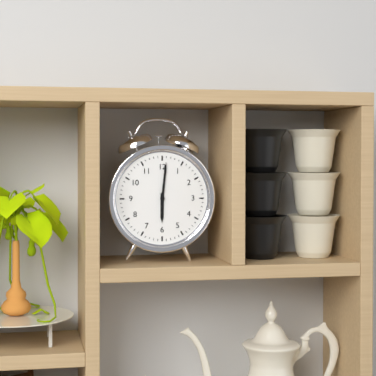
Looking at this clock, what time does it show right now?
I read 6:01
